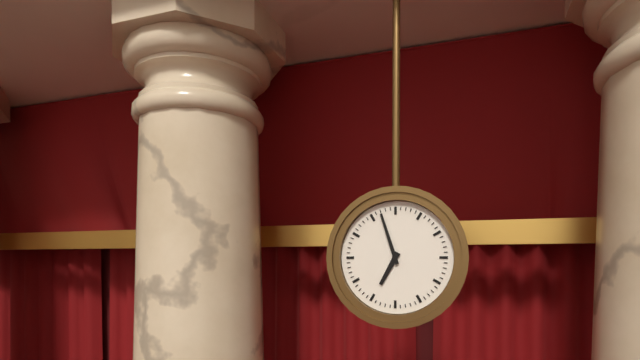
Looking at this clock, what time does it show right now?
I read 6:57
